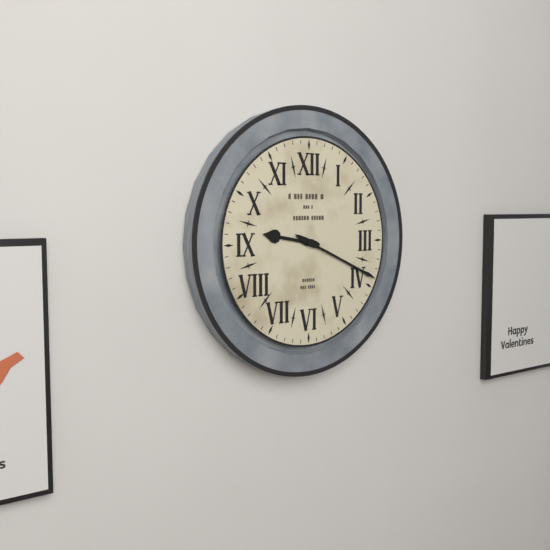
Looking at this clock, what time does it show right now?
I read 9:19
